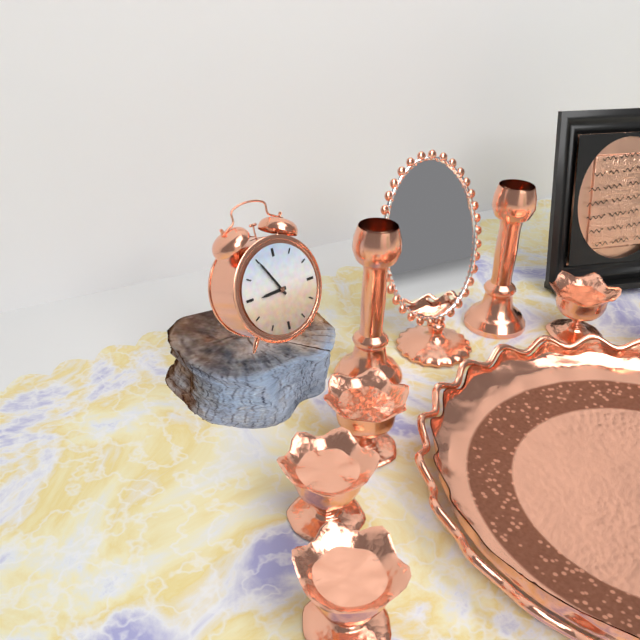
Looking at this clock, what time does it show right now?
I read 8:55
